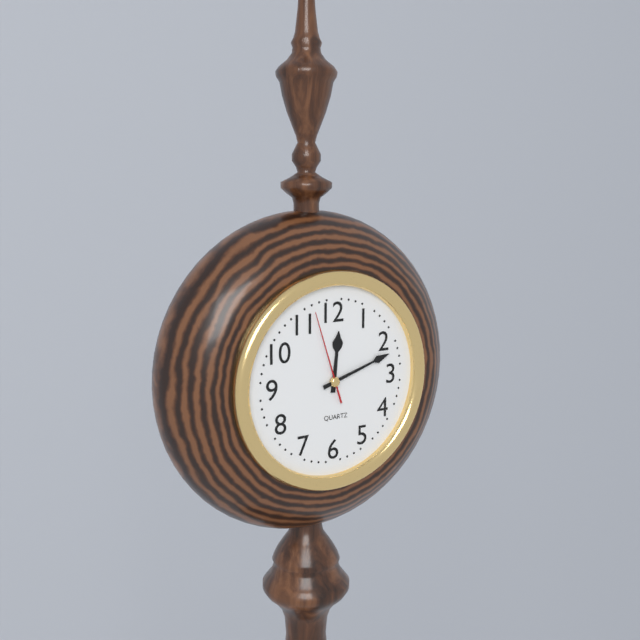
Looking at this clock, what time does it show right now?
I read 12:12:57
